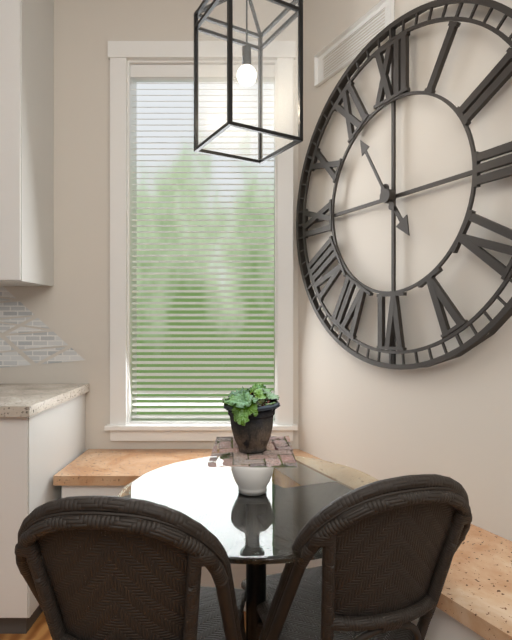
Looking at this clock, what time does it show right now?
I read 4:55
